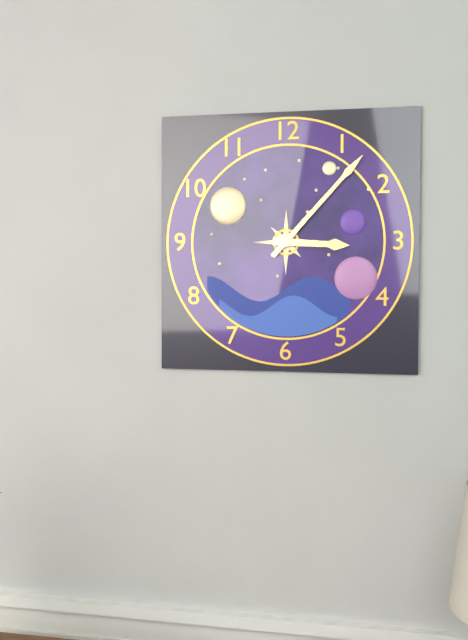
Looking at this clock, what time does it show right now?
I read 3:07
